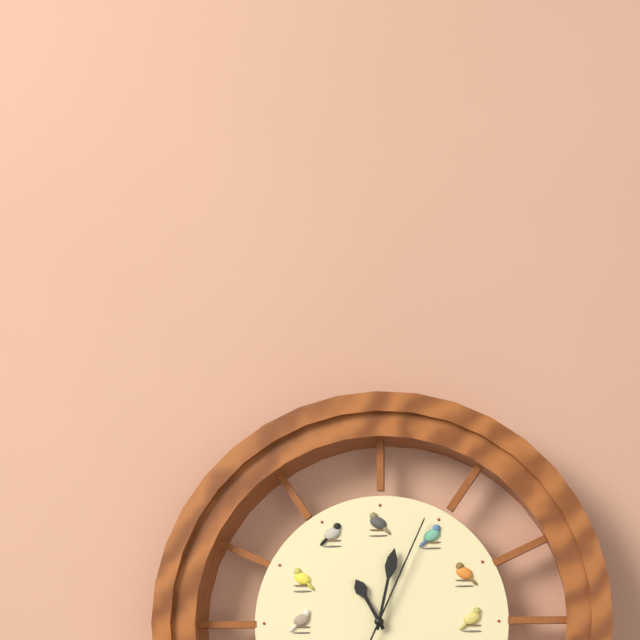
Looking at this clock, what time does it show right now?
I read 11:02:04
